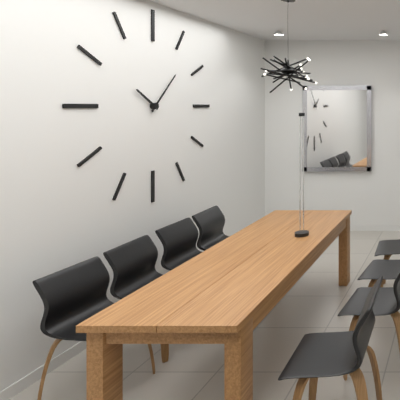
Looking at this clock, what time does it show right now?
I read 10:07
